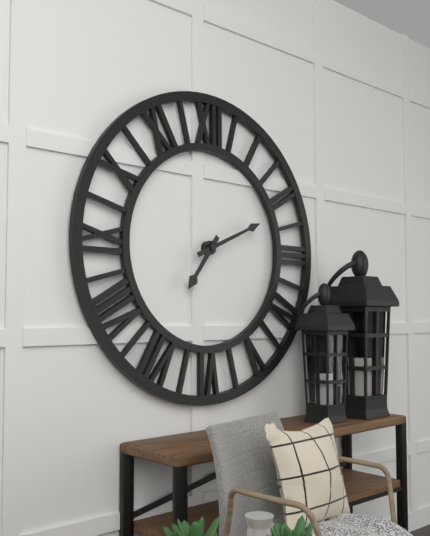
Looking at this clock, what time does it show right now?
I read 7:11
